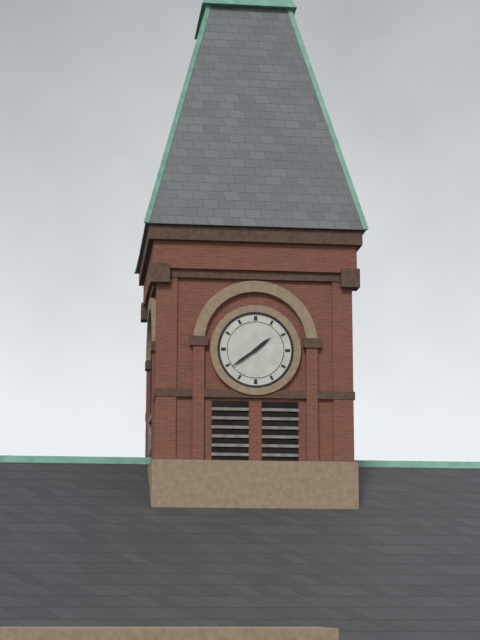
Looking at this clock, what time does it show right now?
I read 1:39
